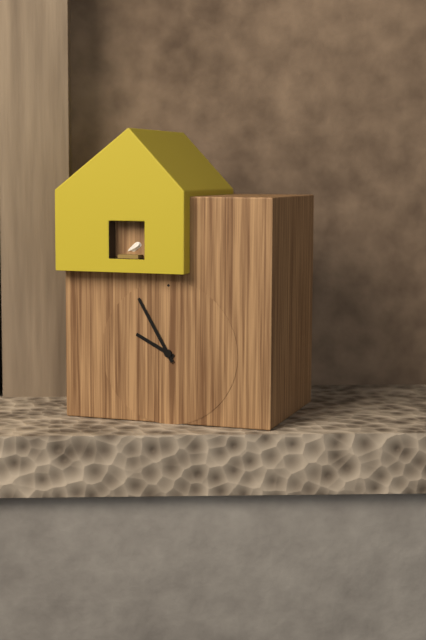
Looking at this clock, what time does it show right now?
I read 9:55
